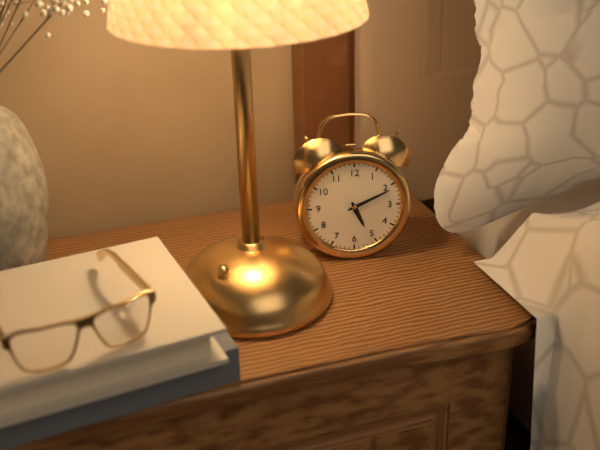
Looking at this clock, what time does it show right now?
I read 5:11
